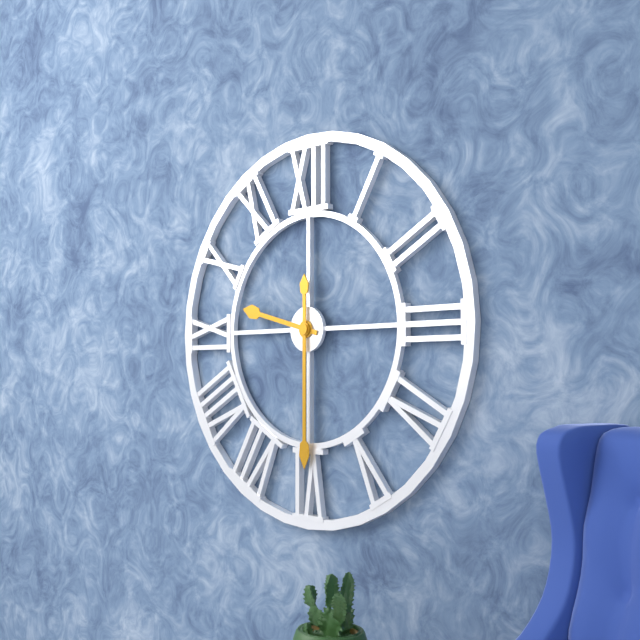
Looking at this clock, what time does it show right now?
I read 9:30
